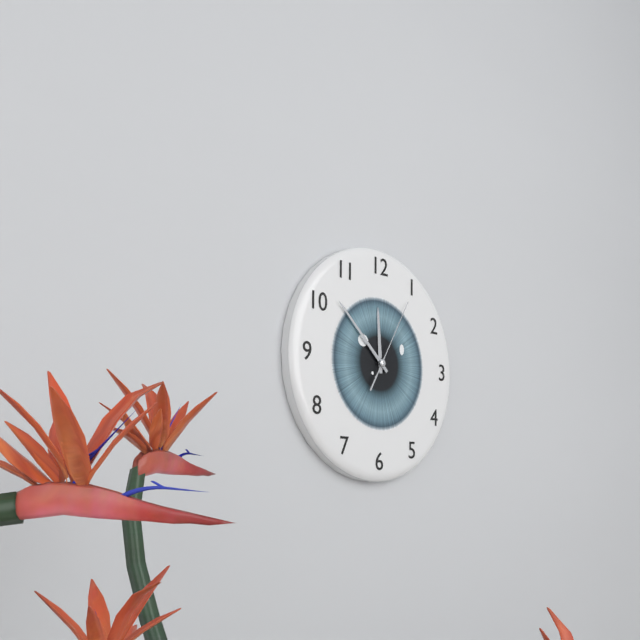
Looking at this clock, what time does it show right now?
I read 11:52:05
